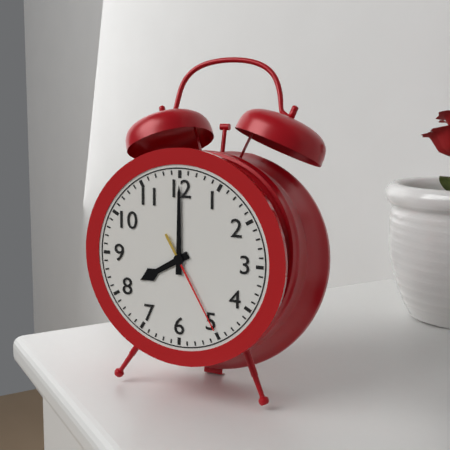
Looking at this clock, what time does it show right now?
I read 8:00:25
